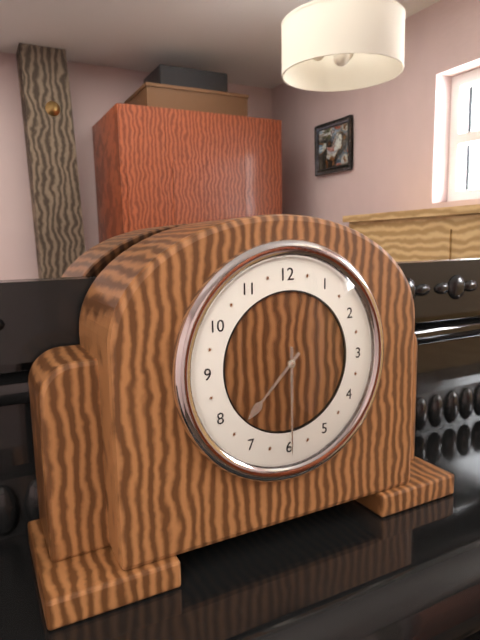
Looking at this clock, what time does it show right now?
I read 7:30
